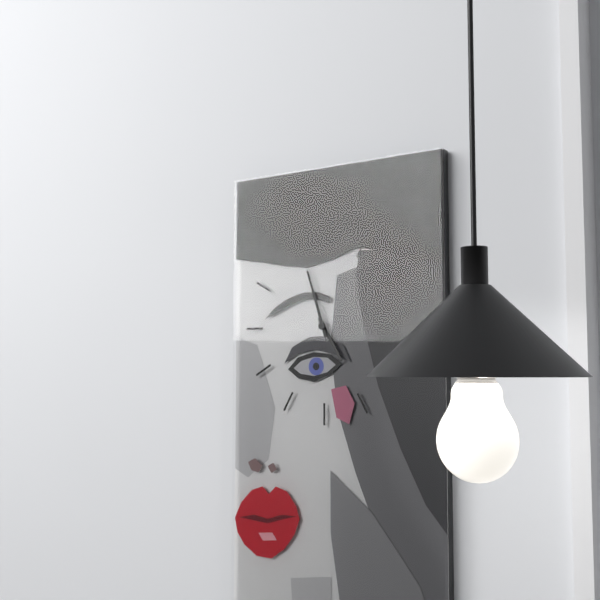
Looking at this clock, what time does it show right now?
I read 4:57
